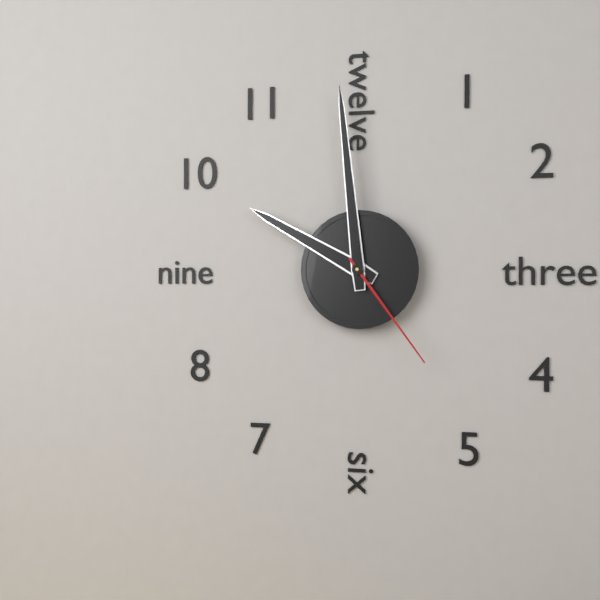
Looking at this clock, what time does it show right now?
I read 9:59:24
